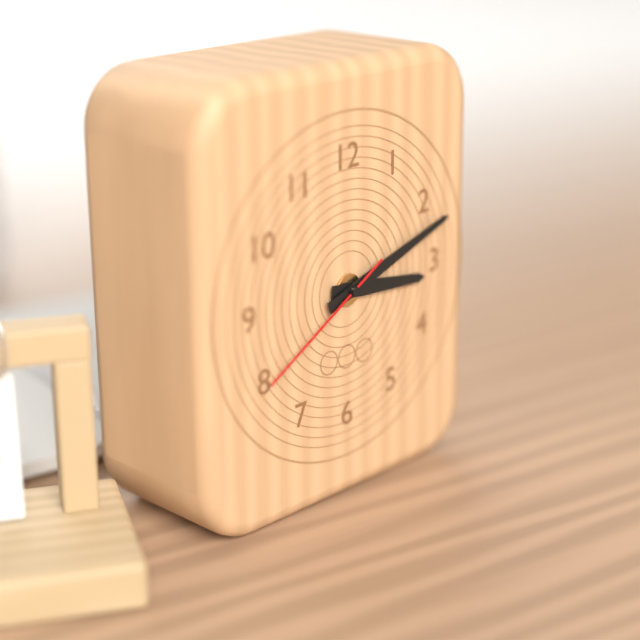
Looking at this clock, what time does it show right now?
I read 3:12:40
